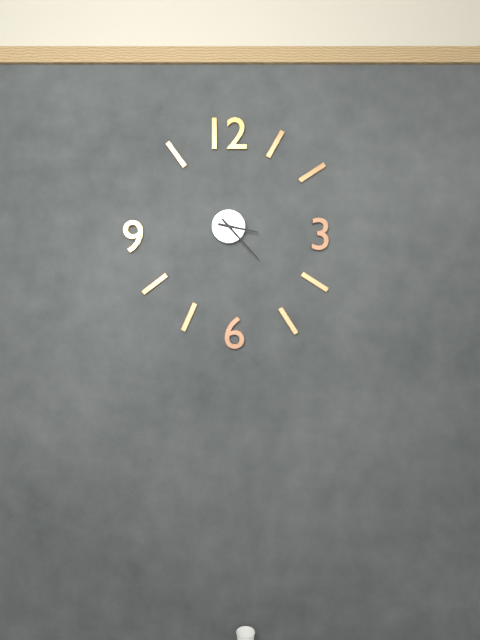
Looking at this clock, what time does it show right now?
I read 3:23
